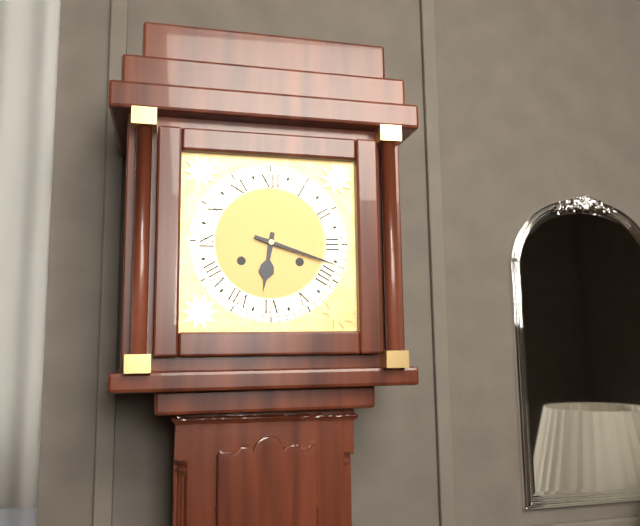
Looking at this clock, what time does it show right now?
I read 6:18
